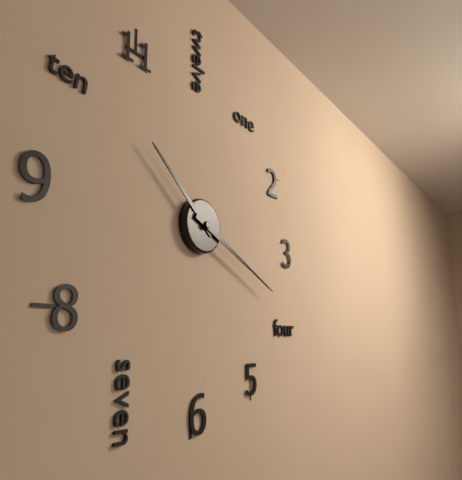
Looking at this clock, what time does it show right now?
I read 10:19
